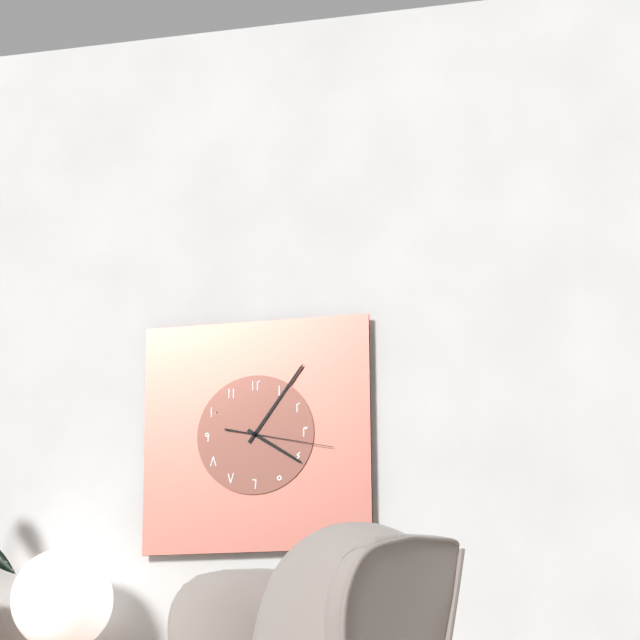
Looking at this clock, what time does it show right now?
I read 4:06:17
